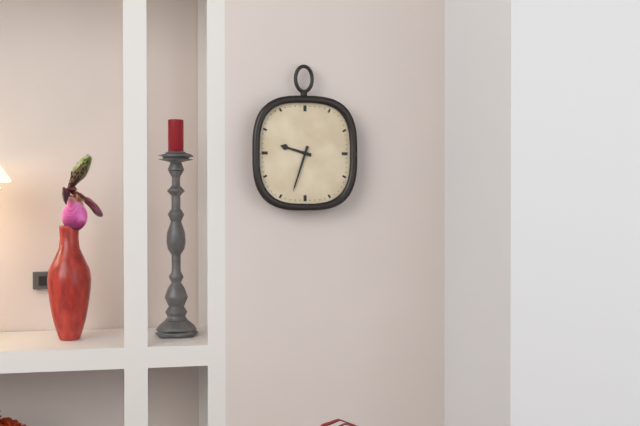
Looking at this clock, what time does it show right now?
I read 9:33
